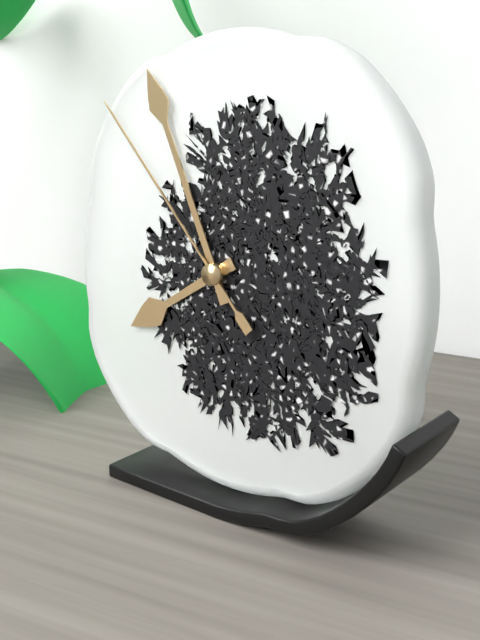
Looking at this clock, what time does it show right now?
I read 7:56:53
